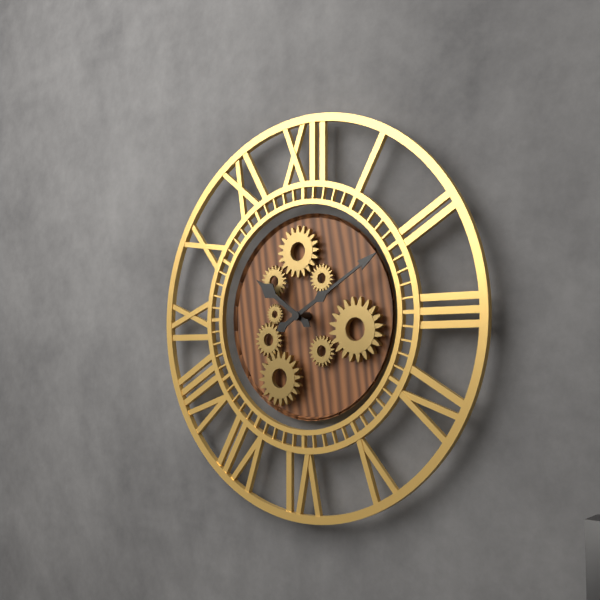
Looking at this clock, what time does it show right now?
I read 10:10
